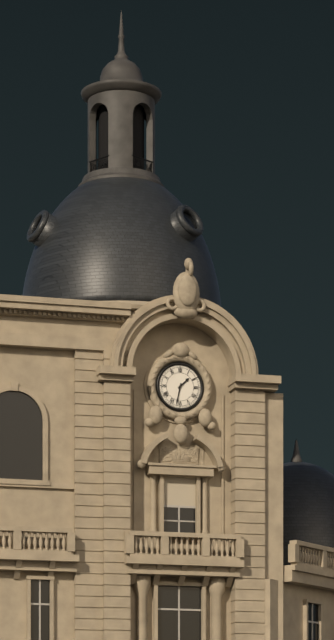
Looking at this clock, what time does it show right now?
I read 1:32
